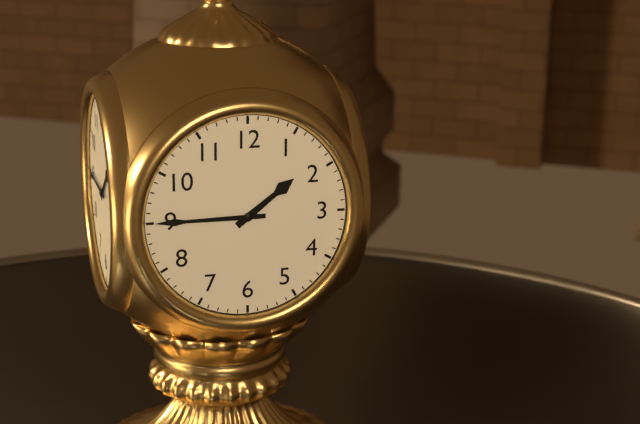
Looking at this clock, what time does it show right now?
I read 1:45
